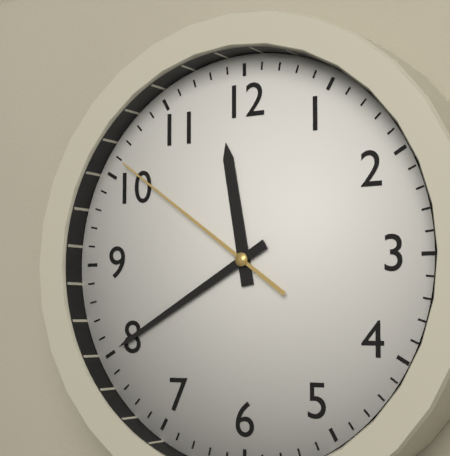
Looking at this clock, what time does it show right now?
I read 11:40:51
